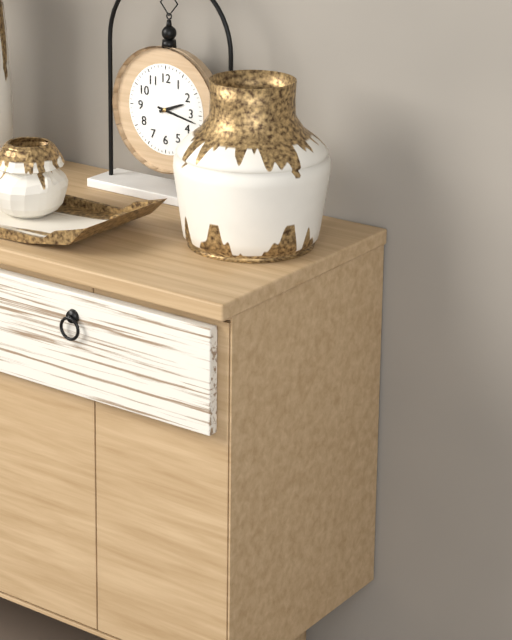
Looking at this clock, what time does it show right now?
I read 2:17
